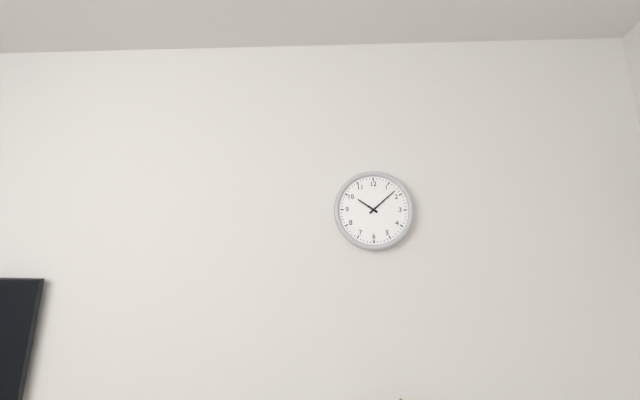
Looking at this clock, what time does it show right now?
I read 10:08
